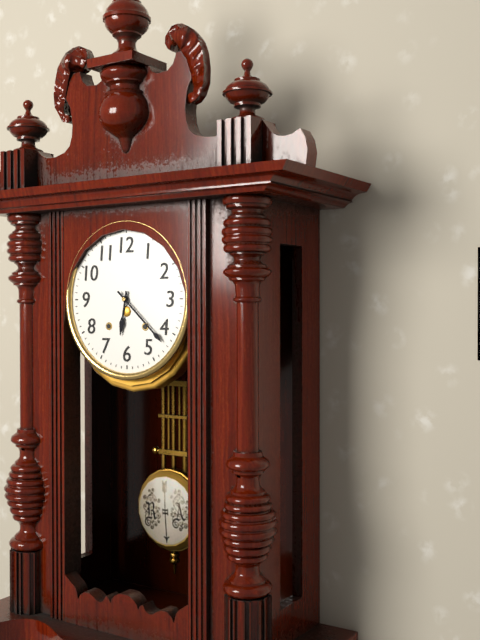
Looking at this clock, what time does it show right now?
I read 6:22
